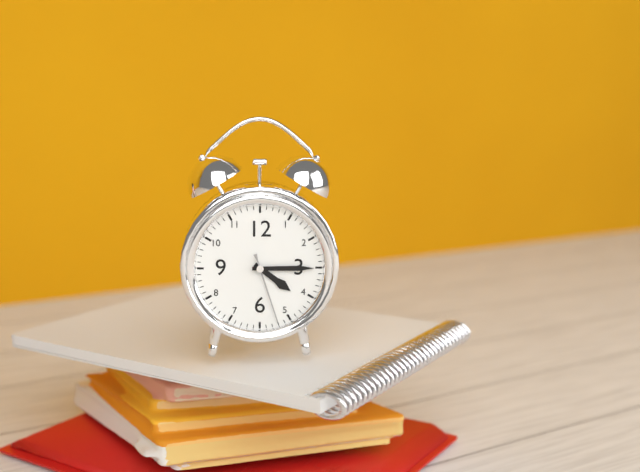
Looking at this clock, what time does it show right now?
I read 4:15:27
